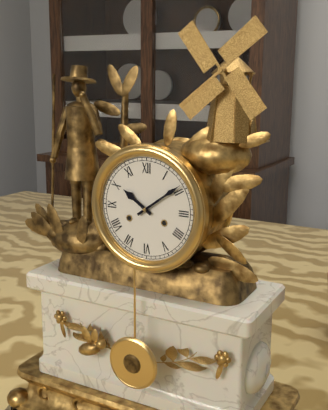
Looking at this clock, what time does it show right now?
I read 10:09
